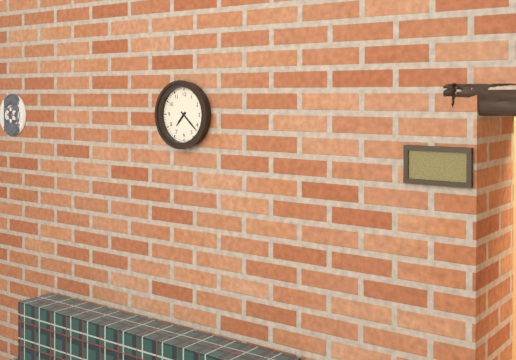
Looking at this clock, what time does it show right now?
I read 7:22
